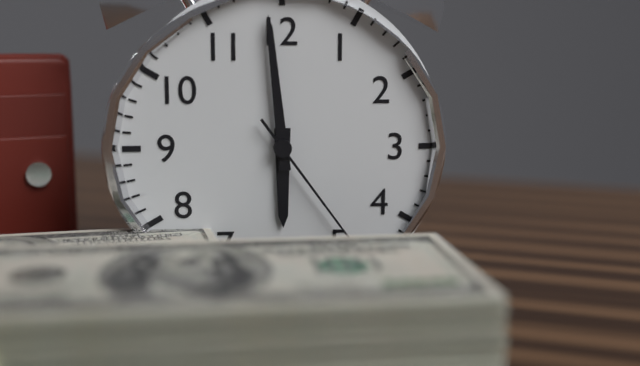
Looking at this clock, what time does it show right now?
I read 5:59:24
